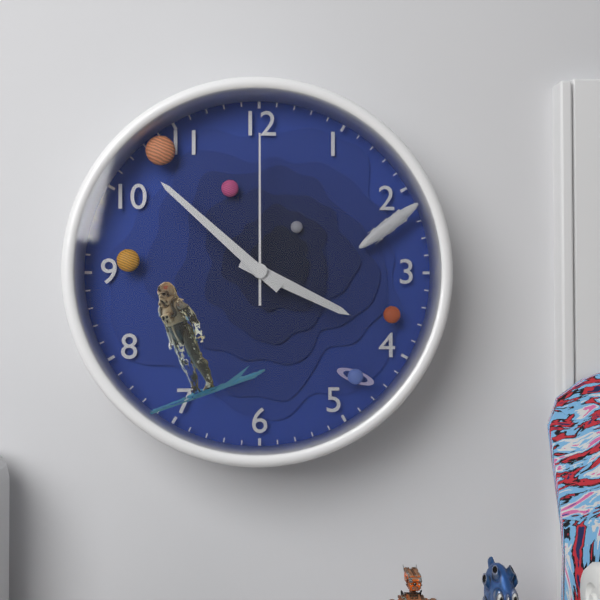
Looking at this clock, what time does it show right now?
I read 3:52:00
